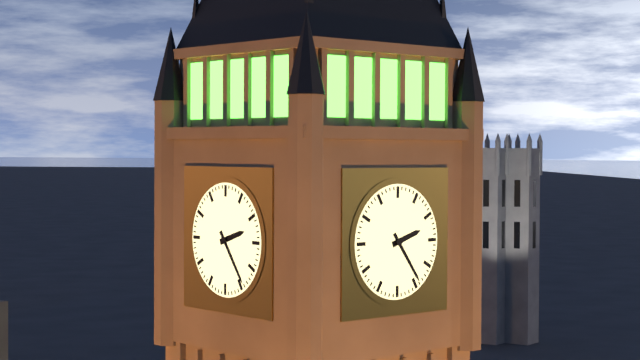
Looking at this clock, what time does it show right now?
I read 2:24
